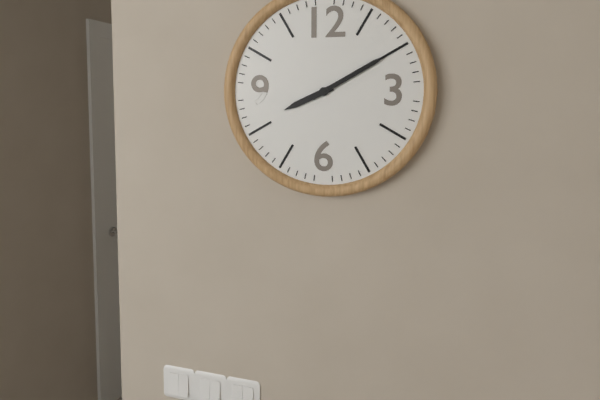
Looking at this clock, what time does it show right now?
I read 8:10
